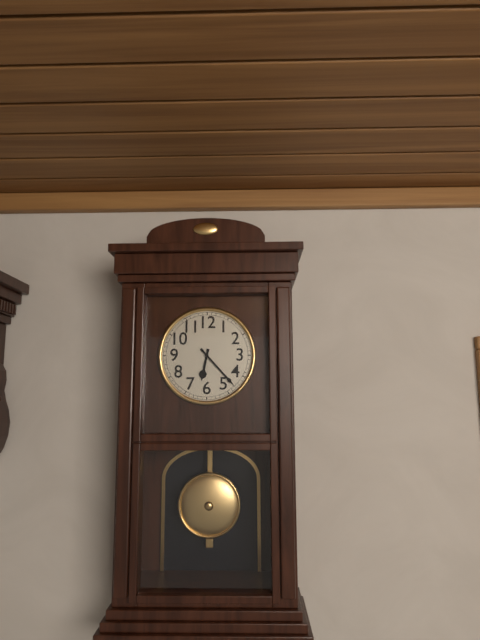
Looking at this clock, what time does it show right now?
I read 6:23
